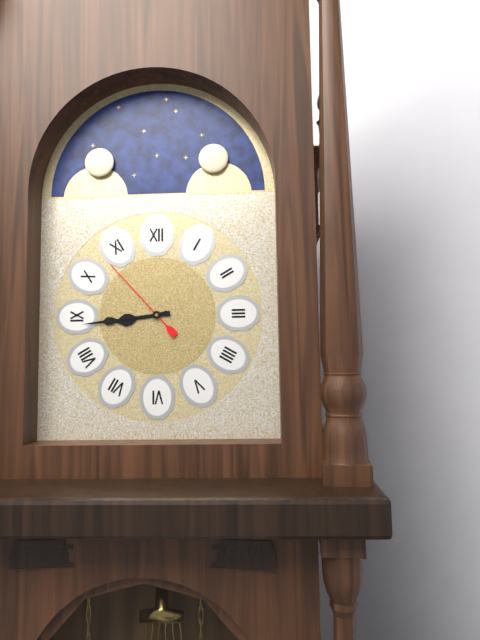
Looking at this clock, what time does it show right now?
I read 8:44:53
